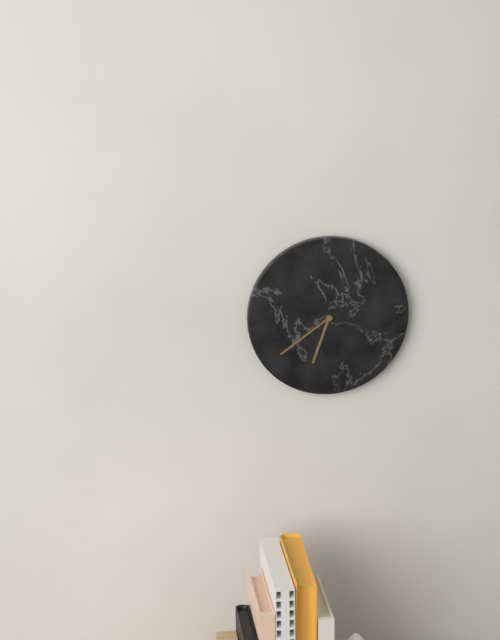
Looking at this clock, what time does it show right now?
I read 6:39
